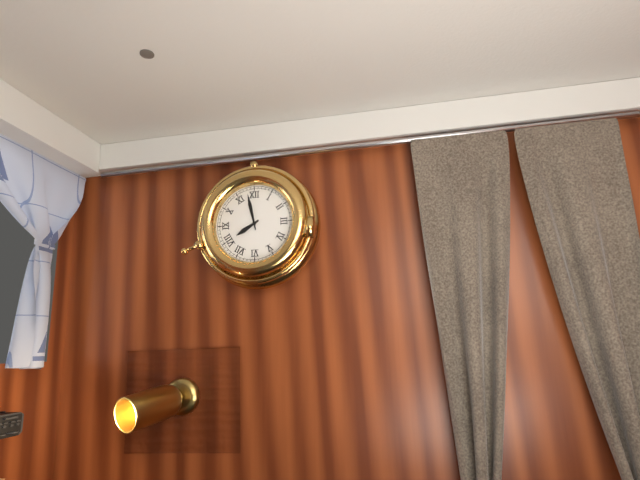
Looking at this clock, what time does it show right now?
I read 7:58
